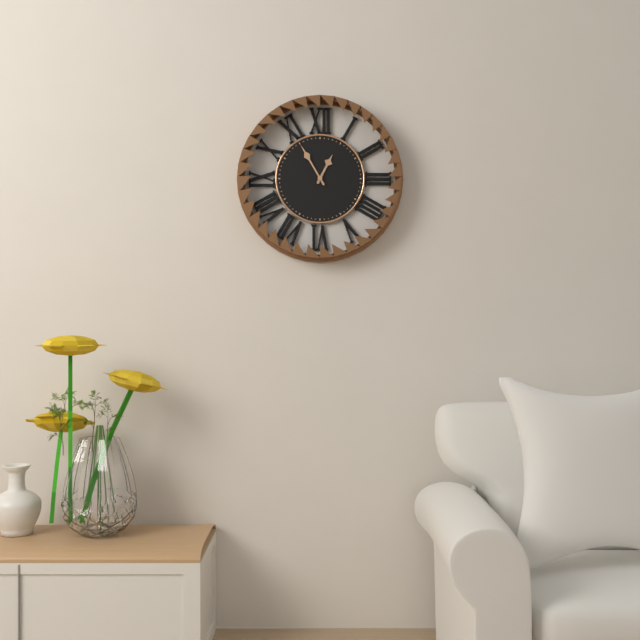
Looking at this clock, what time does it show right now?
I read 12:55
